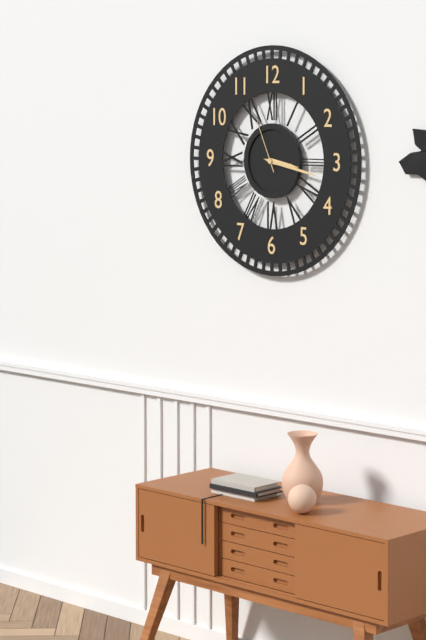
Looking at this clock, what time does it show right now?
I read 3:17:56
